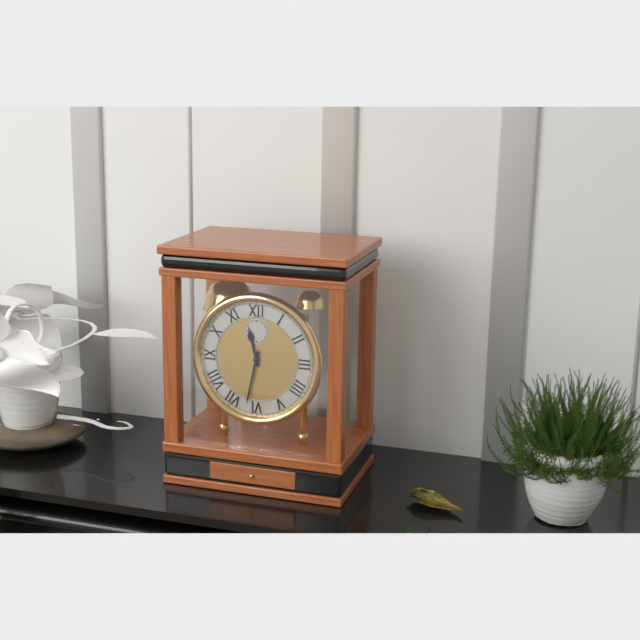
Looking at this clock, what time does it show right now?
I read 11:32
